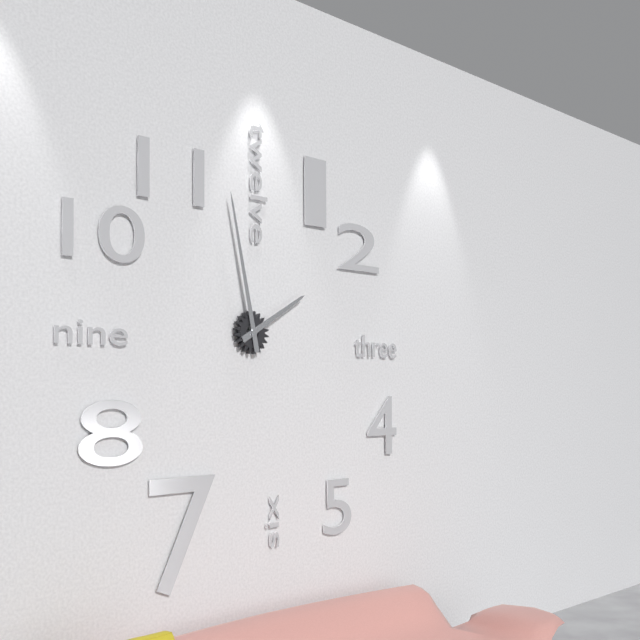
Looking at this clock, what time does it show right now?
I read 1:58
